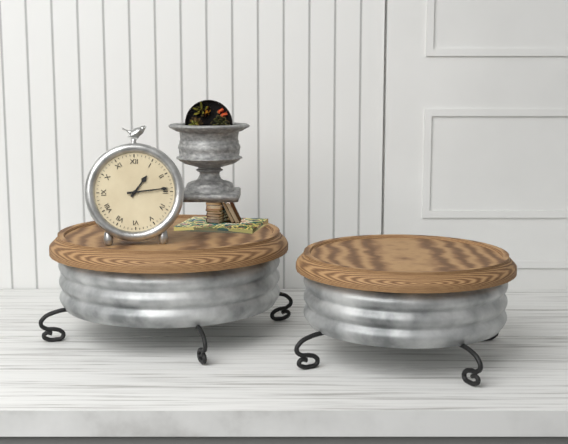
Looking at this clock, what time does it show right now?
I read 1:14
